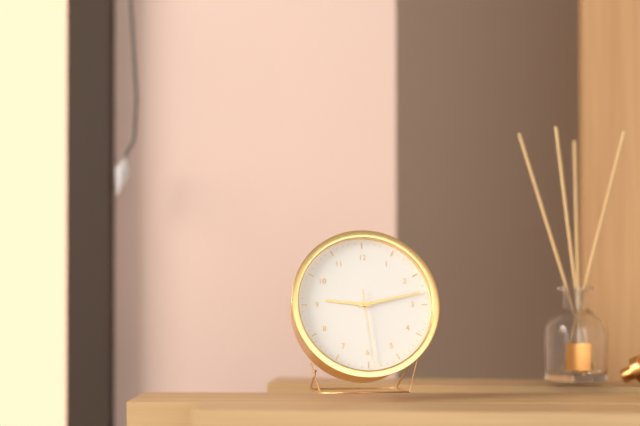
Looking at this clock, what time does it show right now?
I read 9:13:29
